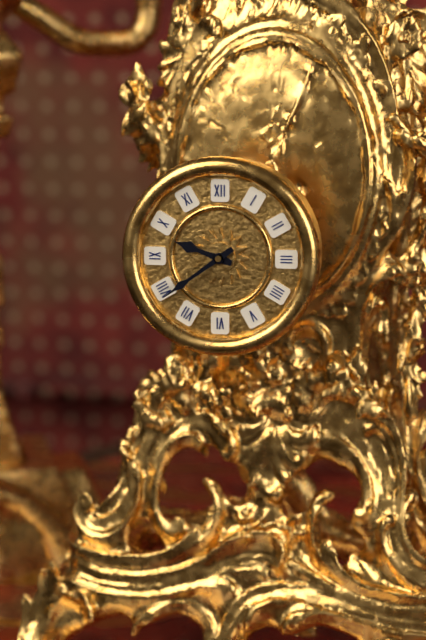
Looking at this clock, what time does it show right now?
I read 9:39
